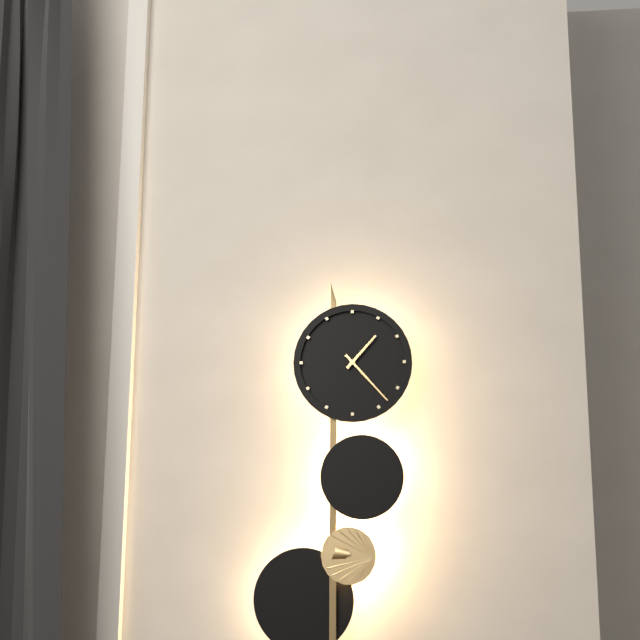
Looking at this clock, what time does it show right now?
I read 1:23
